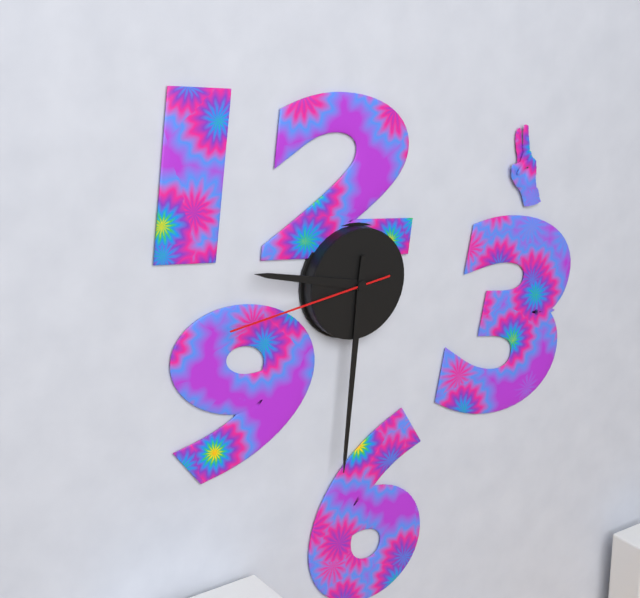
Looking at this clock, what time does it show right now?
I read 9:31:44
